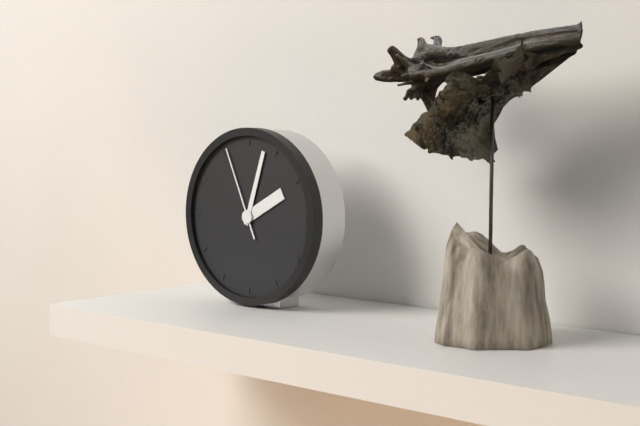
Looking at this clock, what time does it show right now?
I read 2:03:56
